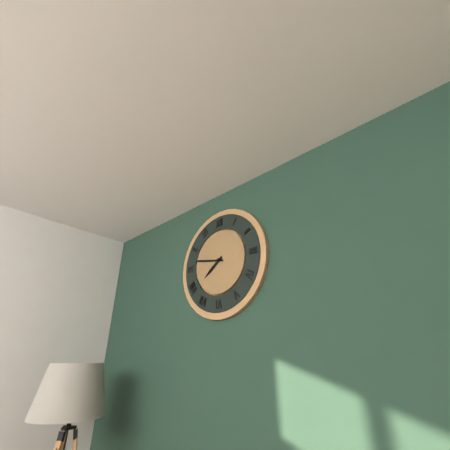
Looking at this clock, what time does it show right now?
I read 7:47
